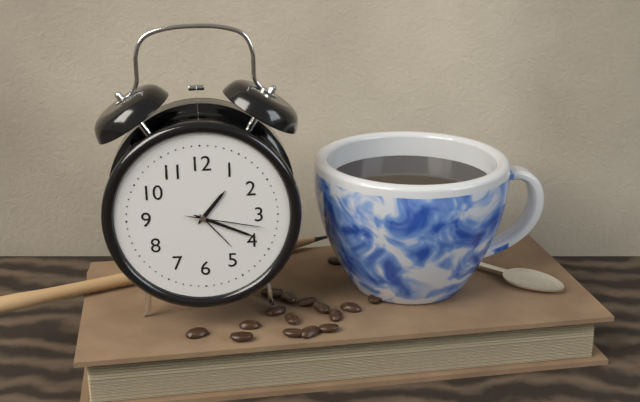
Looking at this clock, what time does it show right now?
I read 1:19:17
